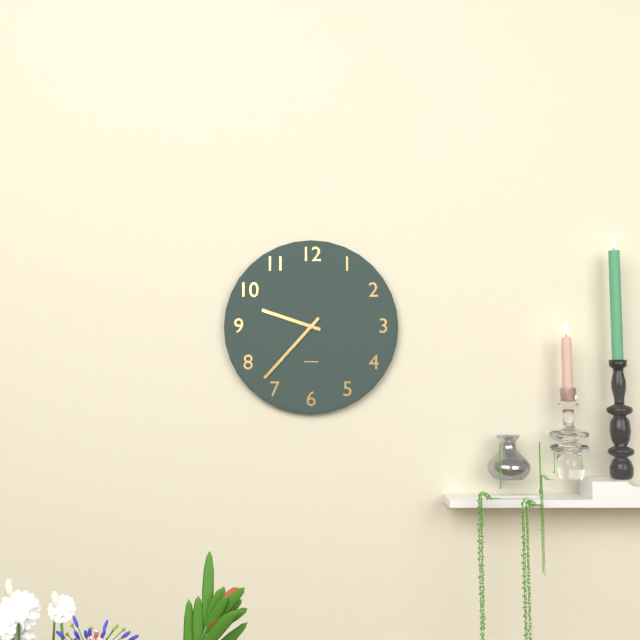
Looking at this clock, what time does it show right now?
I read 9:37
